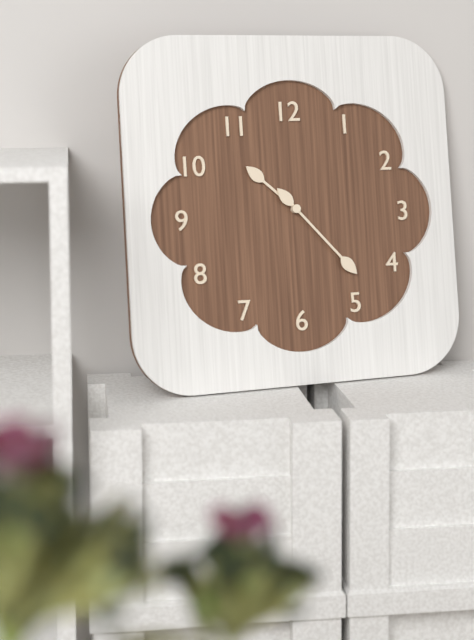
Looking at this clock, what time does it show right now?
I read 10:23
